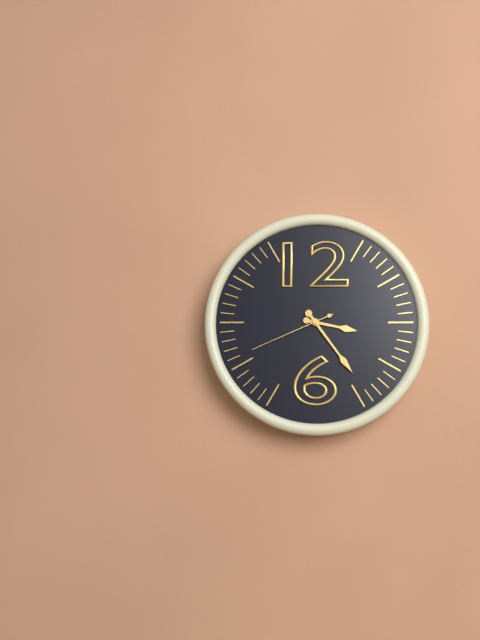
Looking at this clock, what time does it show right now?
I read 3:24:41
